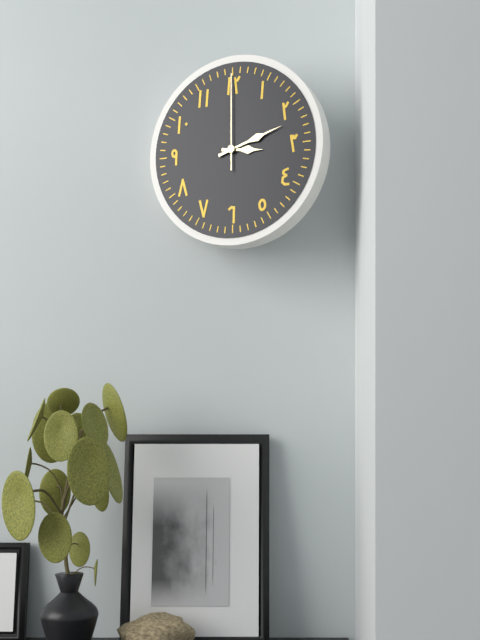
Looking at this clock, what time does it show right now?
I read 3:12:00
